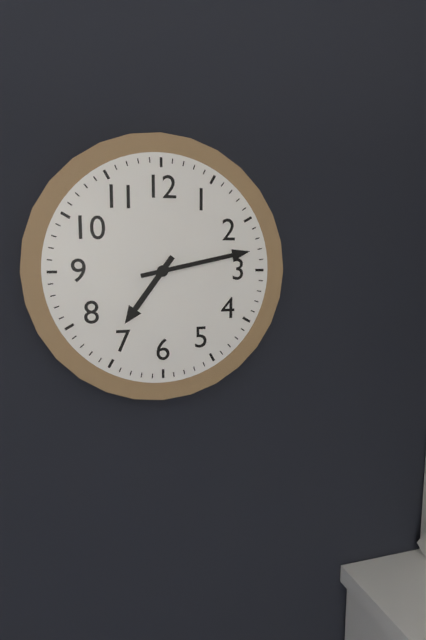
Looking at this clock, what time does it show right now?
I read 7:13
